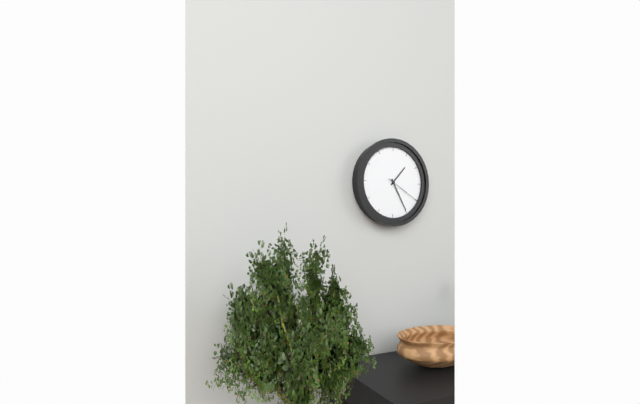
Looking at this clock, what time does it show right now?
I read 1:25
